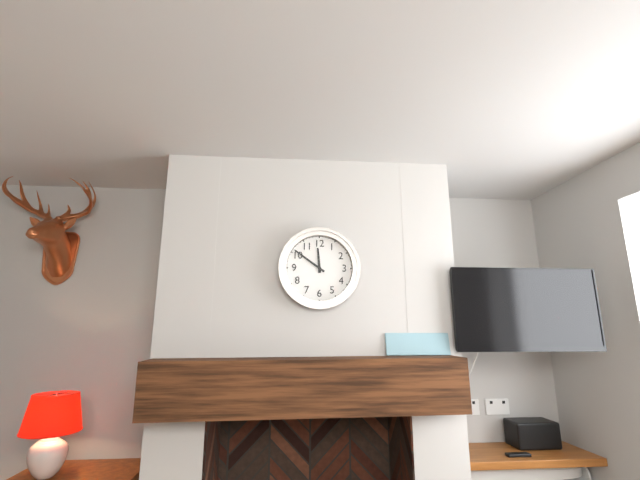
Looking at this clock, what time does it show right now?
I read 11:51
